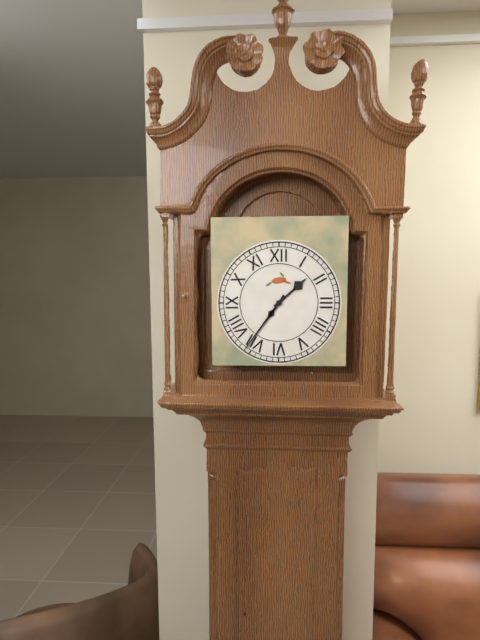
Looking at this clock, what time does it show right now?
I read 1:36
